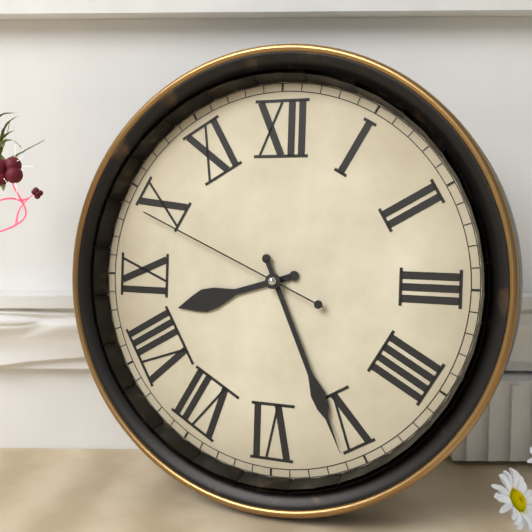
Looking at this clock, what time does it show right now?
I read 8:26:49
